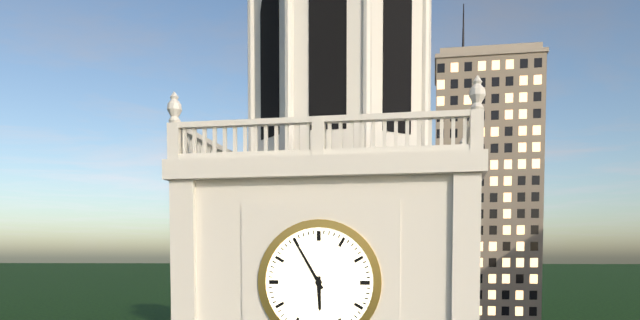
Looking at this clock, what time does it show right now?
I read 5:55
